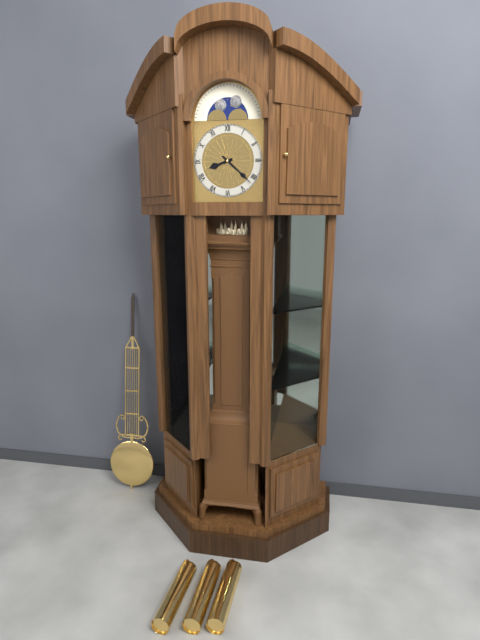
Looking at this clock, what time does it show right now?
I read 8:22
